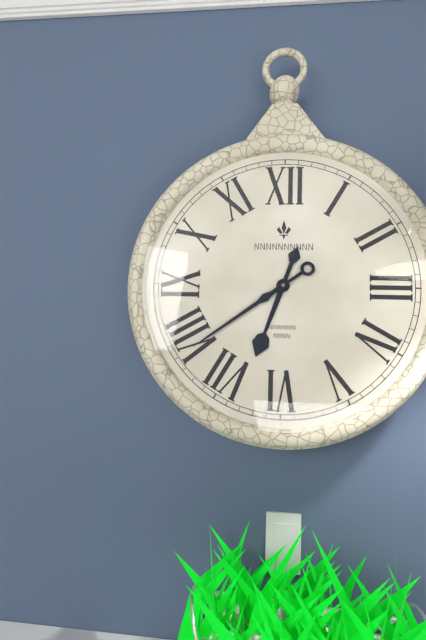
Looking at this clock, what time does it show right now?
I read 6:39
